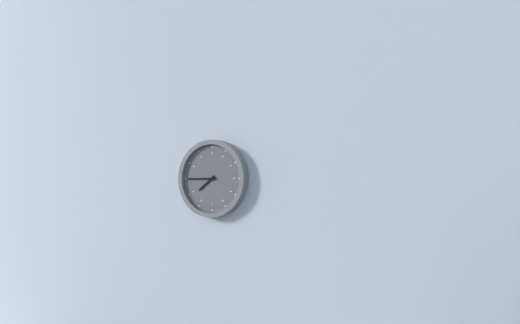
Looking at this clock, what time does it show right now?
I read 7:45
